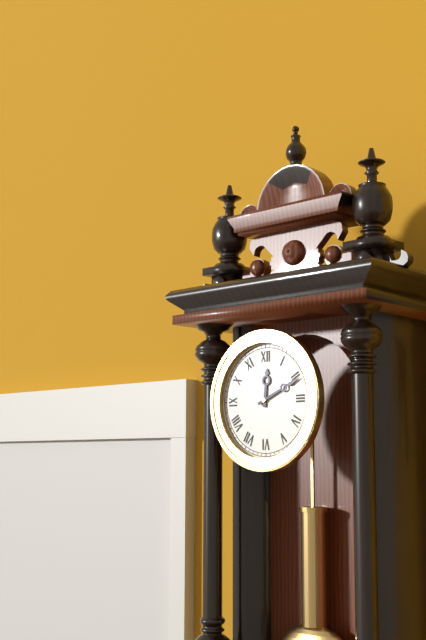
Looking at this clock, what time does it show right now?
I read 12:11
